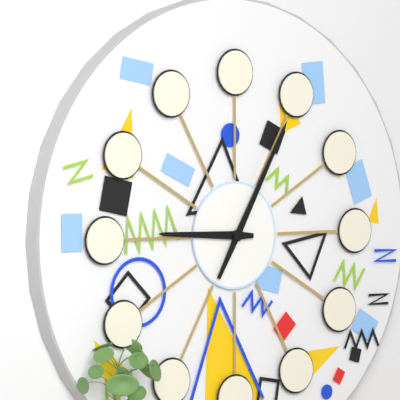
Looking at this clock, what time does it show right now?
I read 9:05
